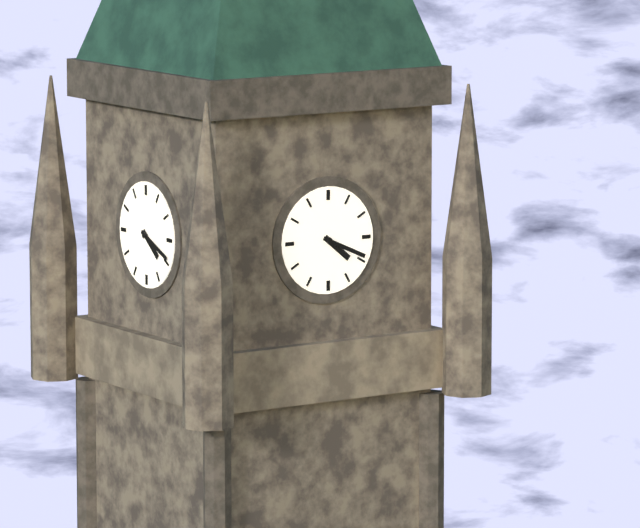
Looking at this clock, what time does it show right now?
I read 4:19
